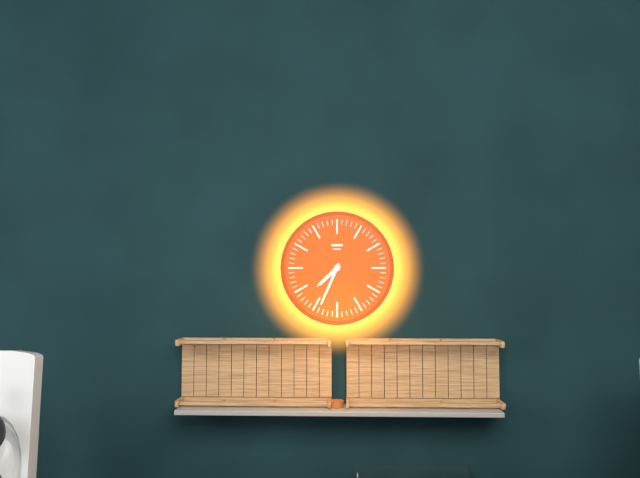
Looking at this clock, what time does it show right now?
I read 7:34
